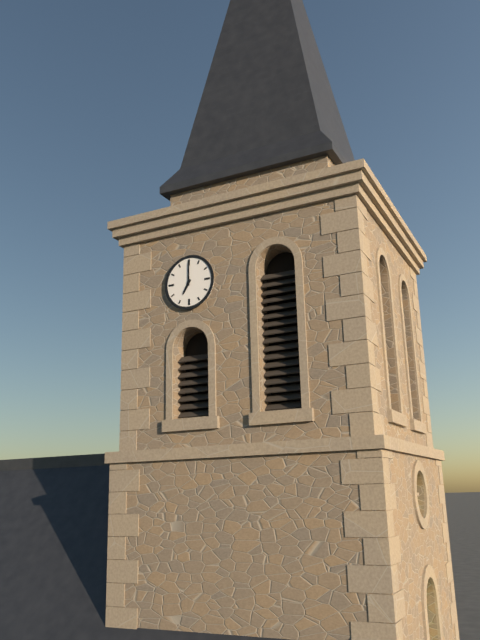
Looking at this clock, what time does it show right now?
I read 7:00
